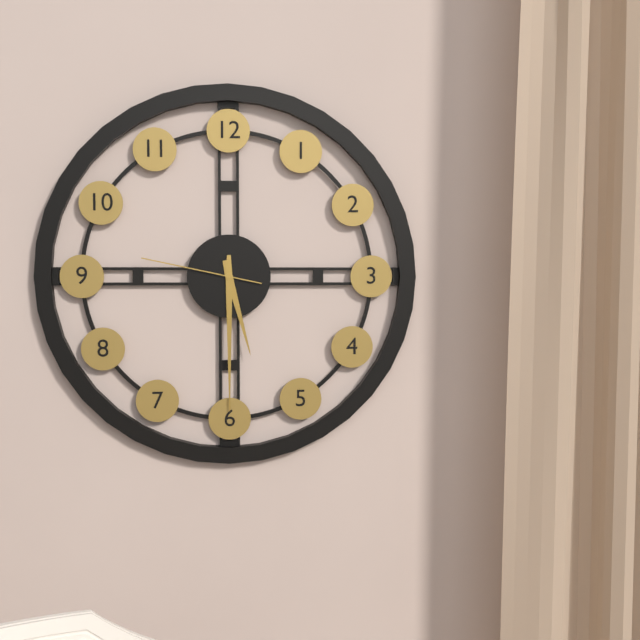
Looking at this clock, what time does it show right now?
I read 5:30:47
